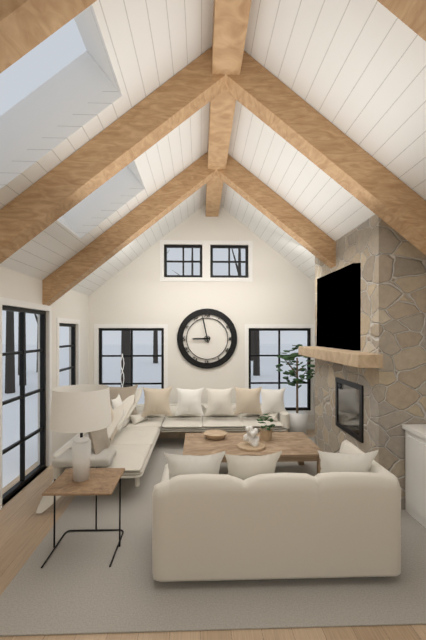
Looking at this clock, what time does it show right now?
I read 8:58
